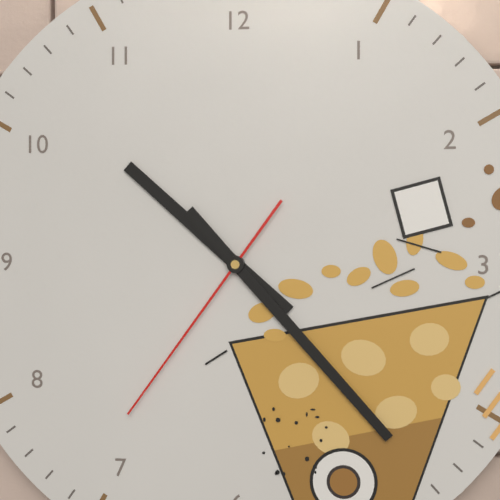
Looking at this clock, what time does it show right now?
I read 10:23:36
